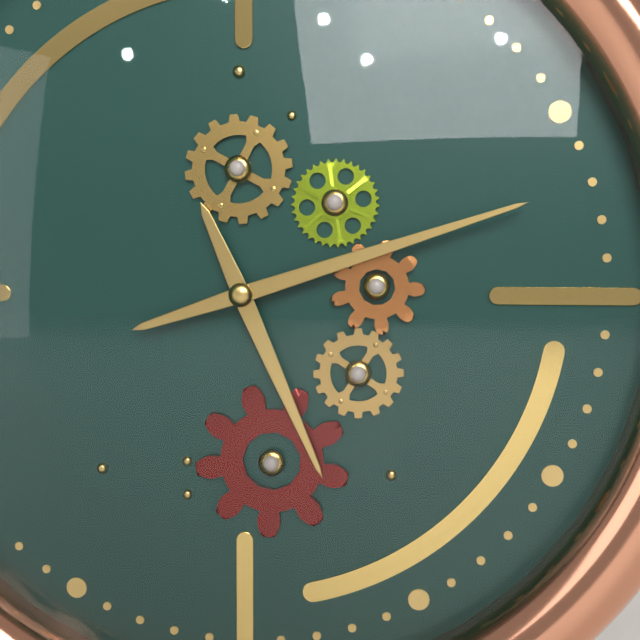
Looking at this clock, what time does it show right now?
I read 5:12
